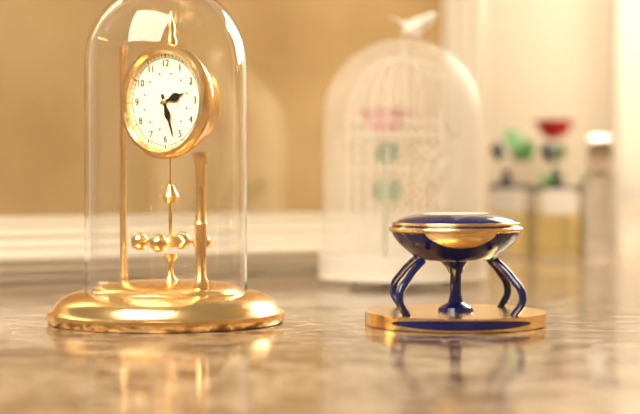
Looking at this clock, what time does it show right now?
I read 2:27
